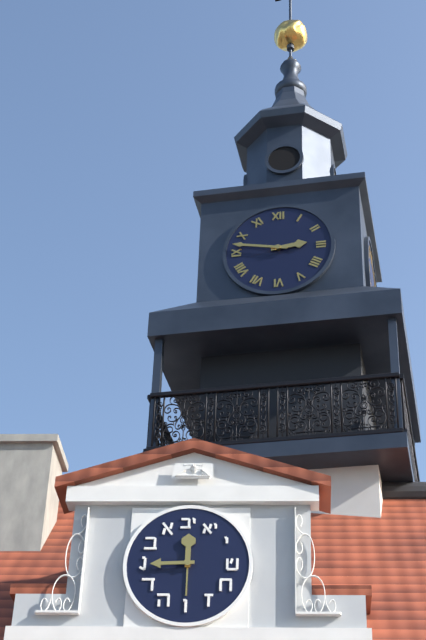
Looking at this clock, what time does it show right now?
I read 2:47
